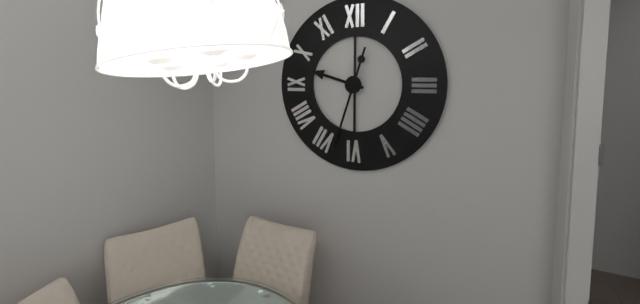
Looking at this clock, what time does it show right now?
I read 9:33
